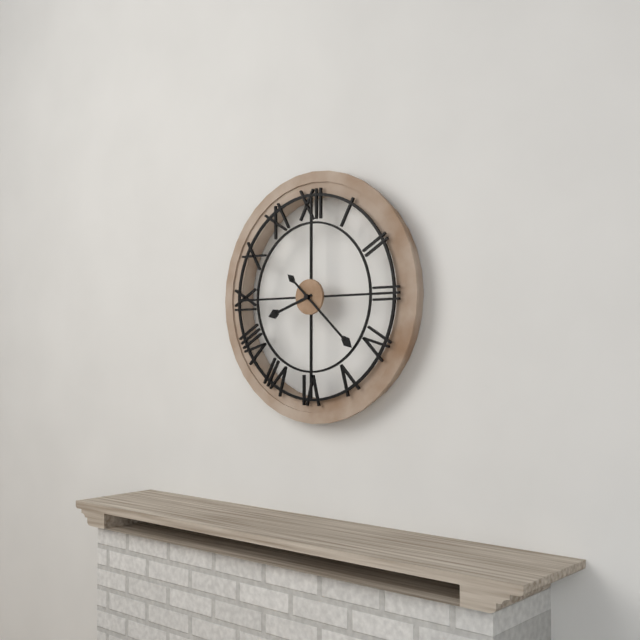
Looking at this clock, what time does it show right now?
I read 8:22
